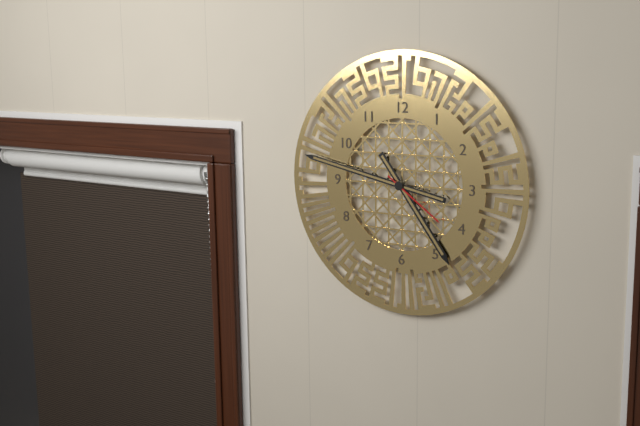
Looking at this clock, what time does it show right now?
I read 4:47:21
